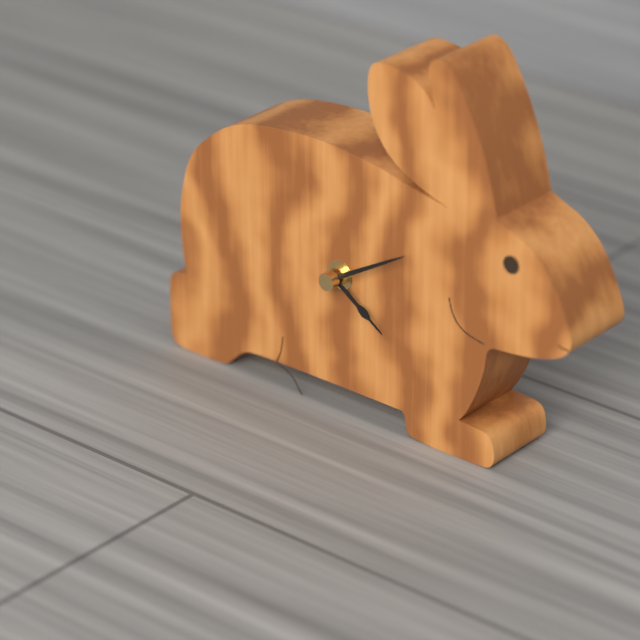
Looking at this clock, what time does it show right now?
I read 4:10
